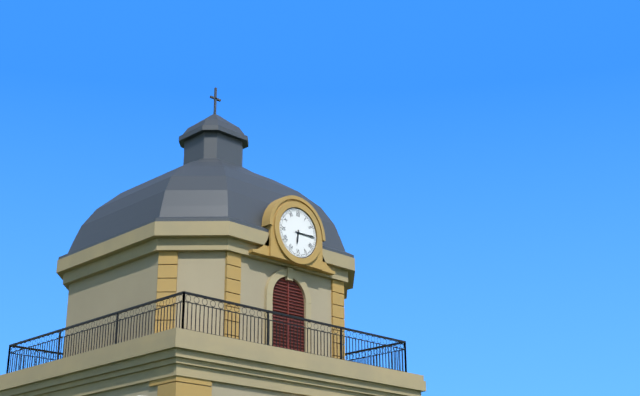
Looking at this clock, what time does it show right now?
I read 6:15
